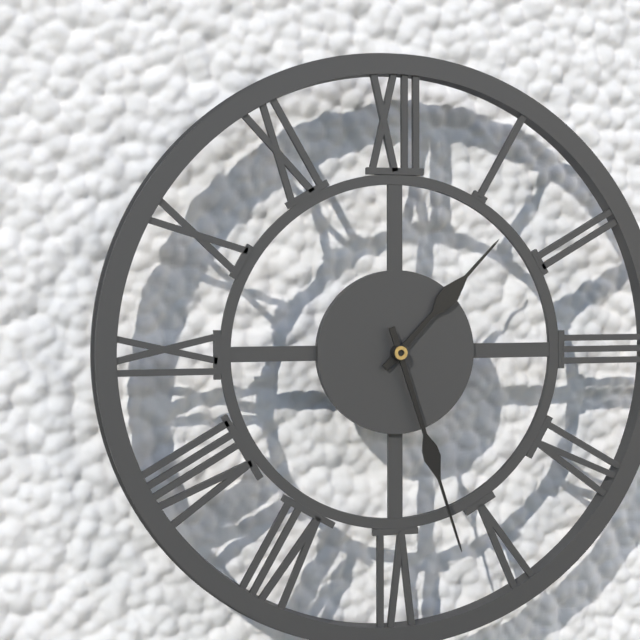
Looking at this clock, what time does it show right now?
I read 1:27
